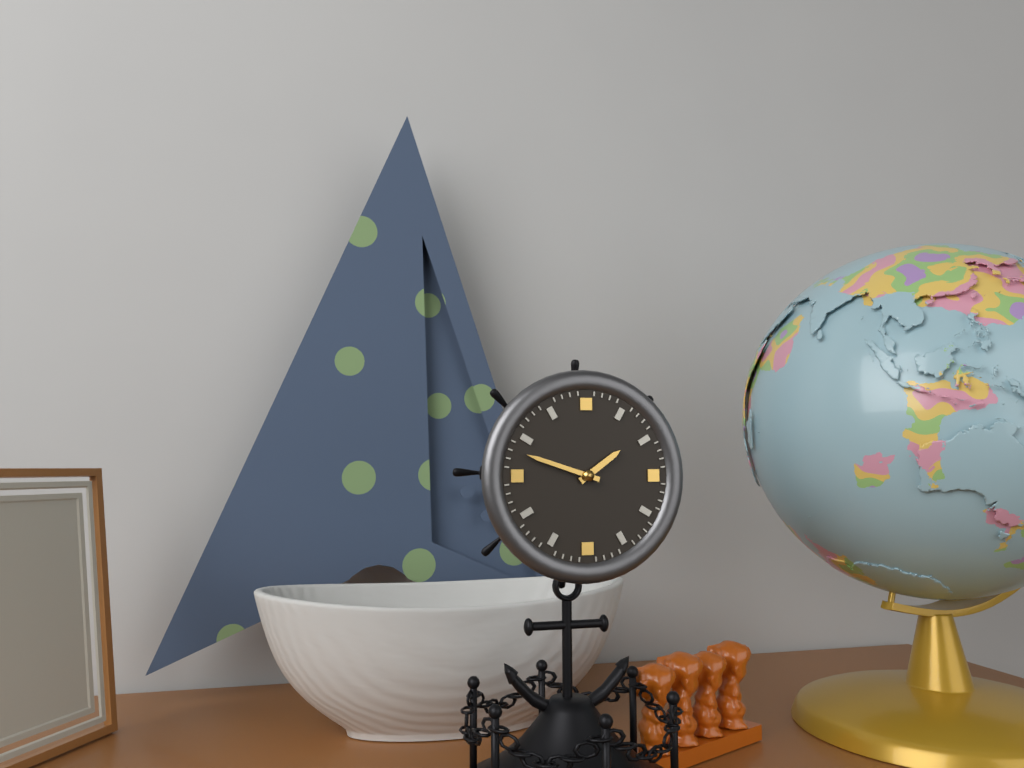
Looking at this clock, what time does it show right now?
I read 1:48
